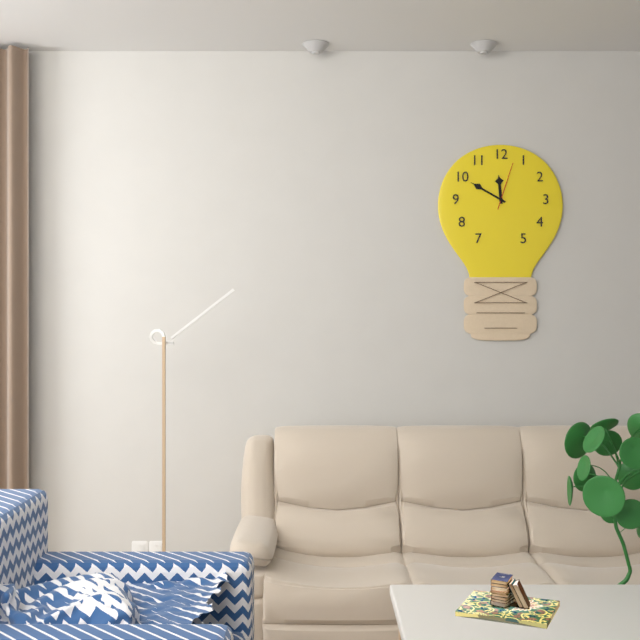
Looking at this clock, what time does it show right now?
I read 11:50
